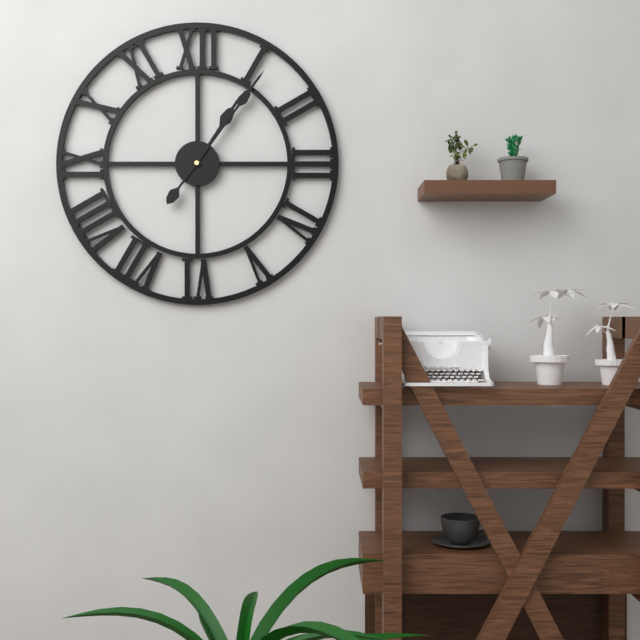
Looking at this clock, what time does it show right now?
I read 1:06
